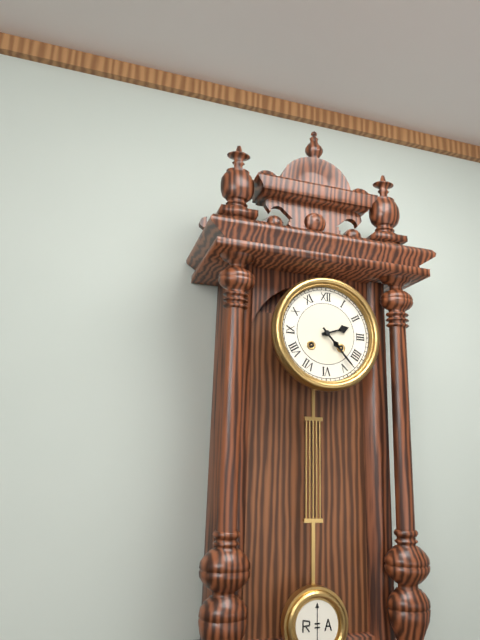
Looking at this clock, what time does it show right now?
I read 2:23
